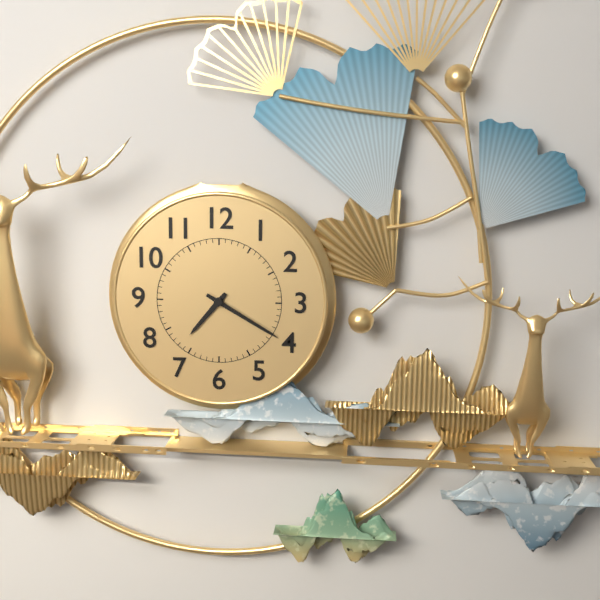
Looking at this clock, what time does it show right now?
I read 7:20
